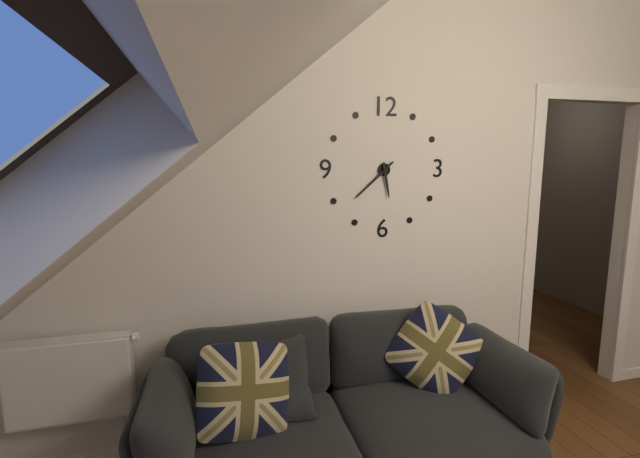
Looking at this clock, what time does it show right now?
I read 5:38
